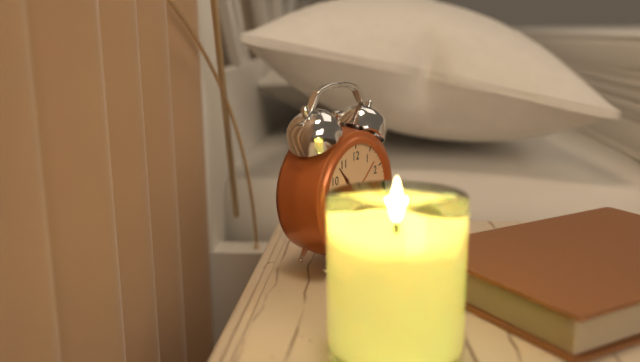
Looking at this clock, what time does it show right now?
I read 7:39
